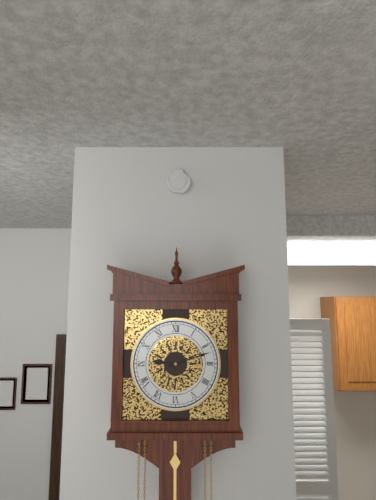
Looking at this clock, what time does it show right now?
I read 9:12
